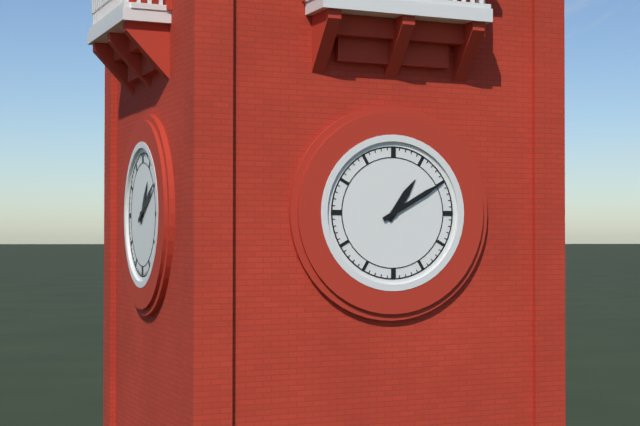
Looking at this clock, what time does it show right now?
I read 1:10
